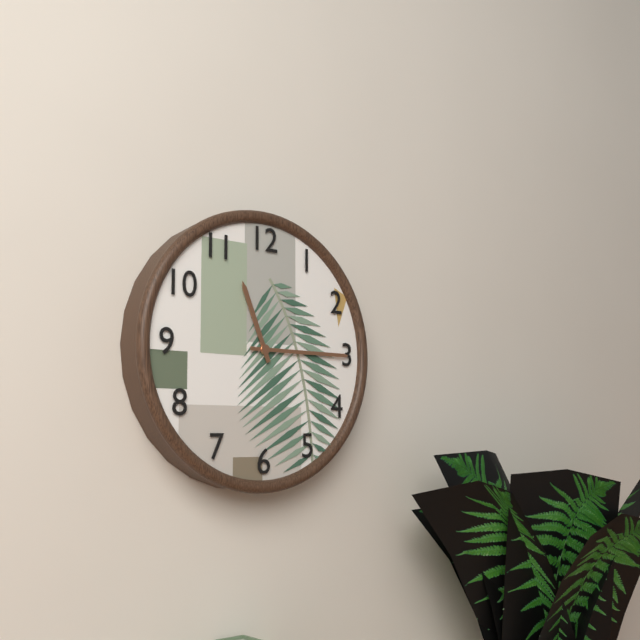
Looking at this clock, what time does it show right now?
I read 11:15
